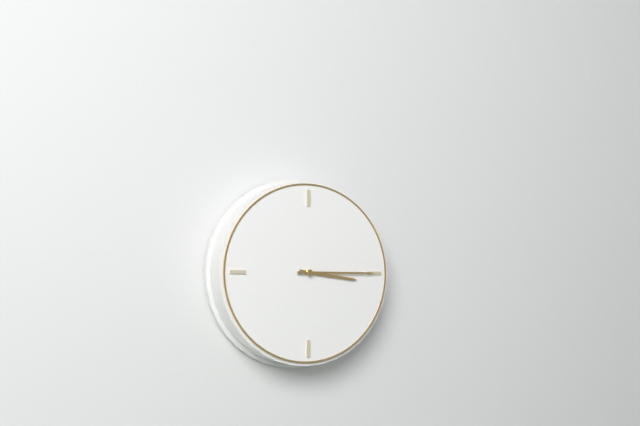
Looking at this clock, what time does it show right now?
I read 3:15
